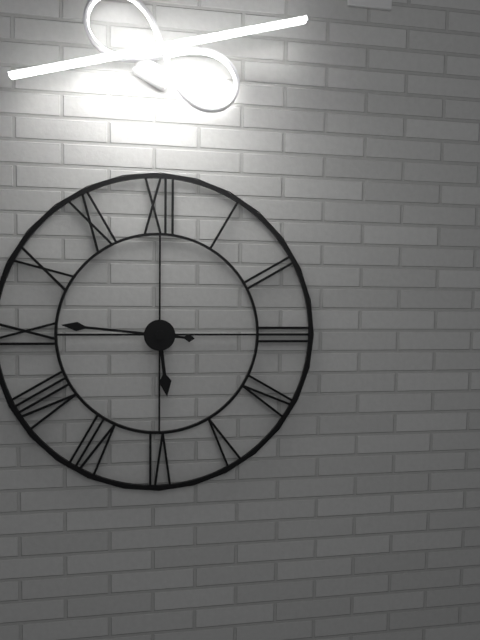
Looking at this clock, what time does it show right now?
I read 5:46
